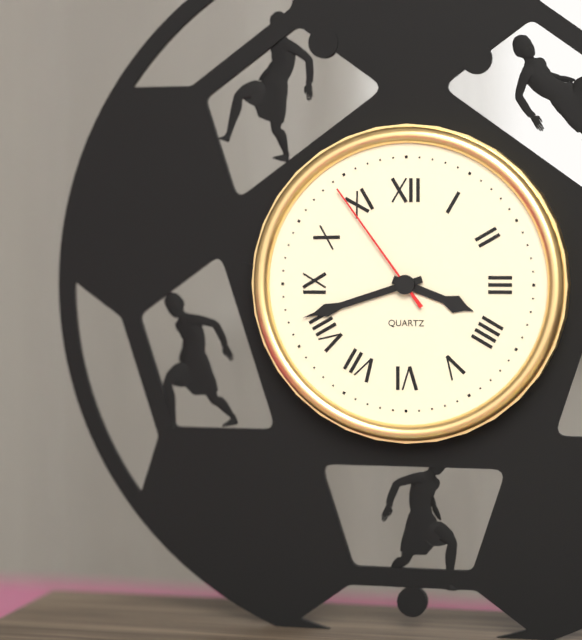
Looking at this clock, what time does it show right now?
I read 3:42:54
